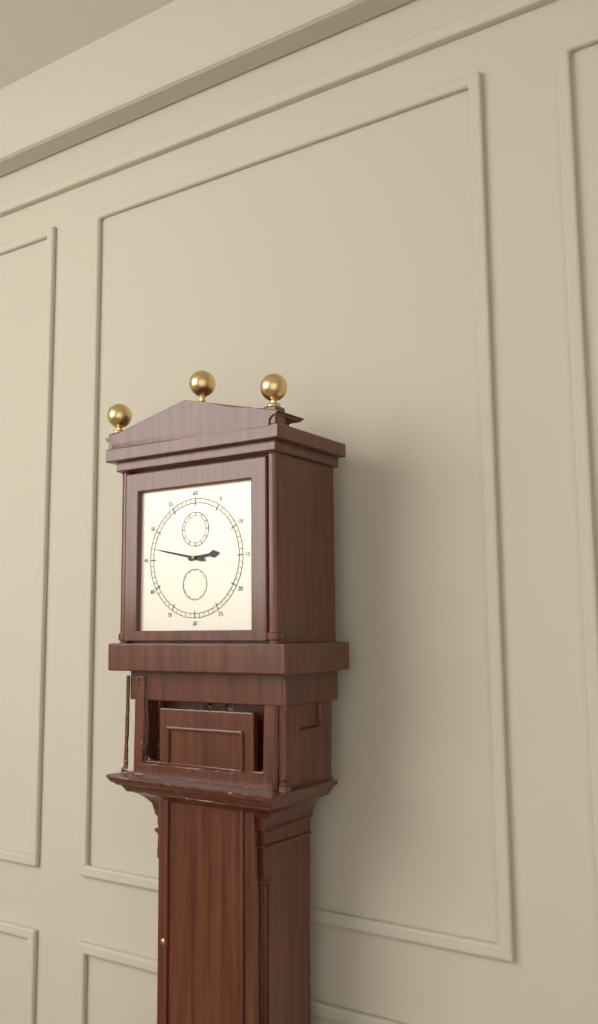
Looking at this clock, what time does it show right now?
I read 2:47
